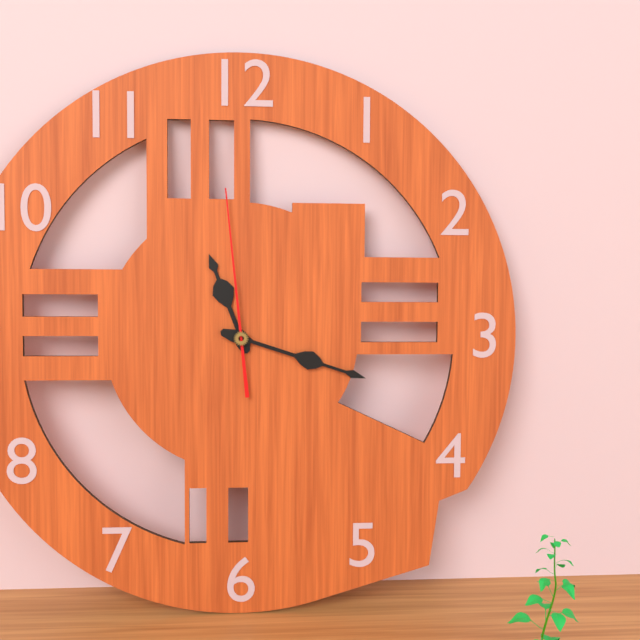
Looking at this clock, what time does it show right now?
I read 11:18:59
